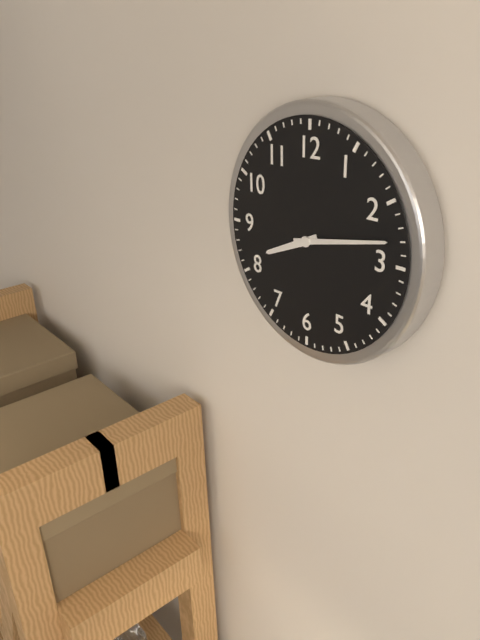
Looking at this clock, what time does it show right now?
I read 8:13
